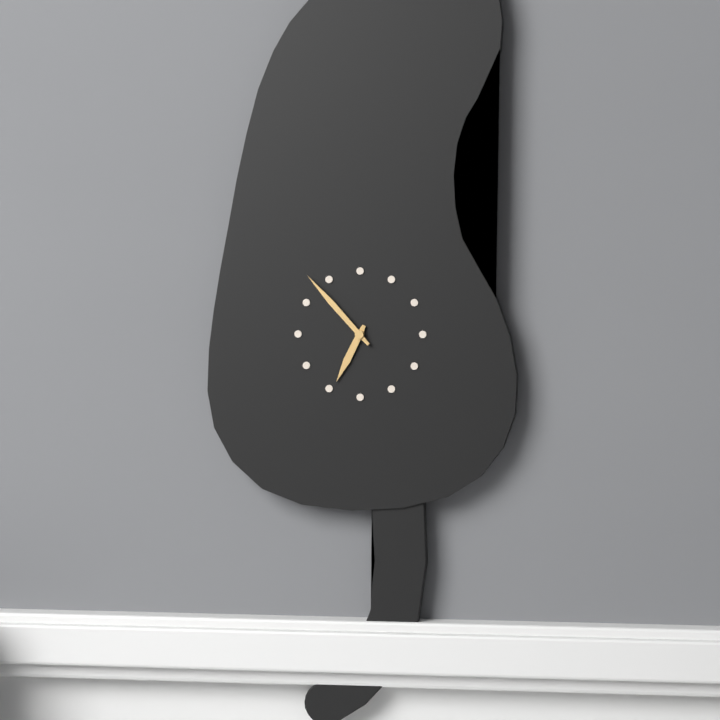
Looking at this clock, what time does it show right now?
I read 6:53
